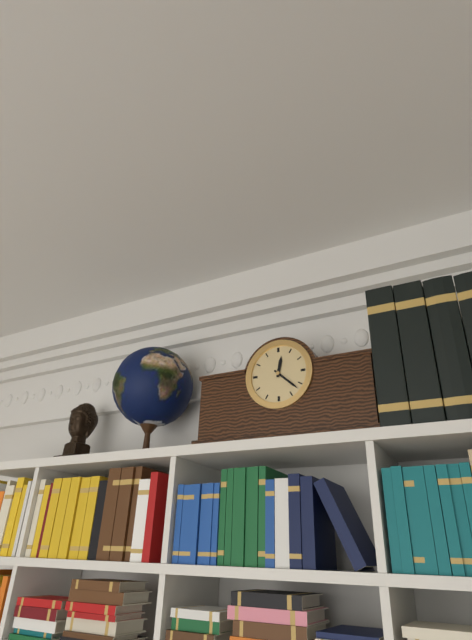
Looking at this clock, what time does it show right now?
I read 12:22
